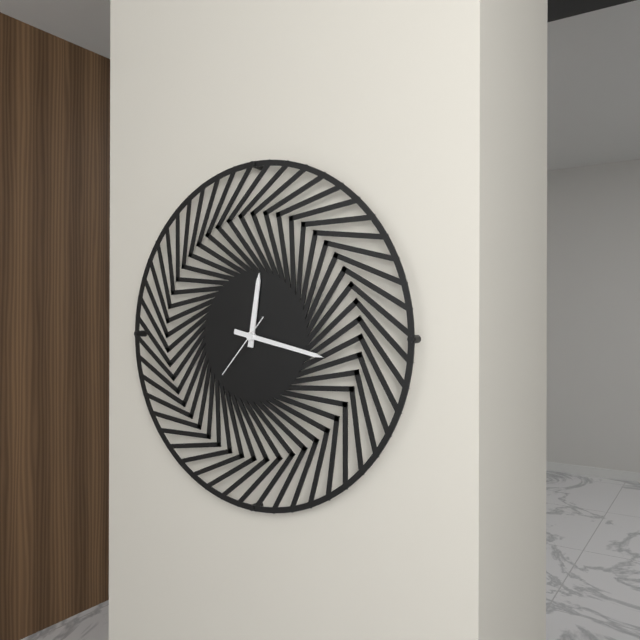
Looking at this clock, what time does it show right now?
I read 12:17:37
